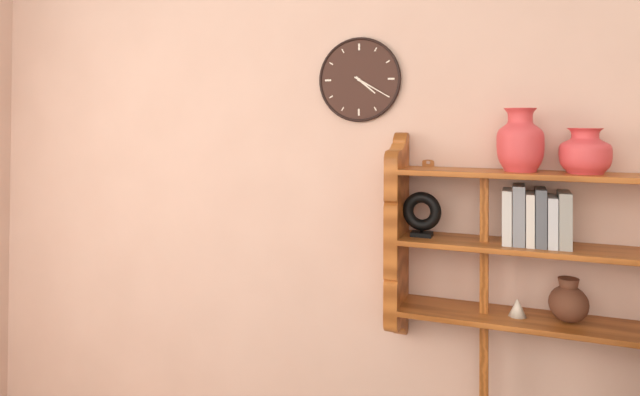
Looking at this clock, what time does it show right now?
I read 4:20
